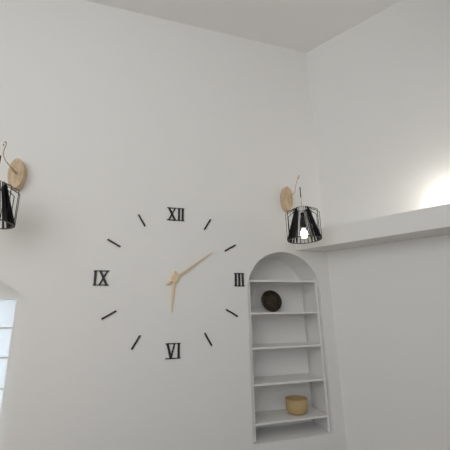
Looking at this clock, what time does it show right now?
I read 6:09
